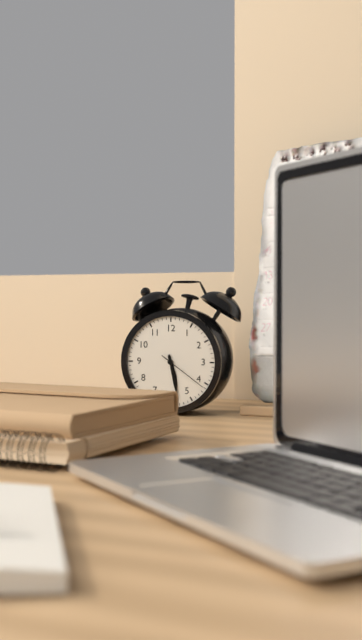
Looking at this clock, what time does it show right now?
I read 5:28:21
